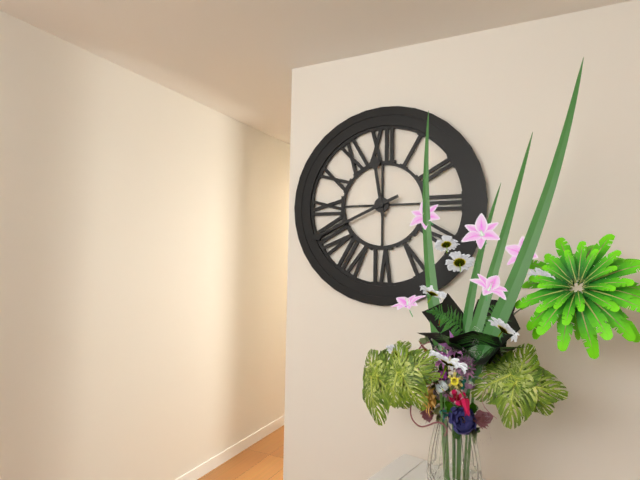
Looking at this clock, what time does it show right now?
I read 11:41
